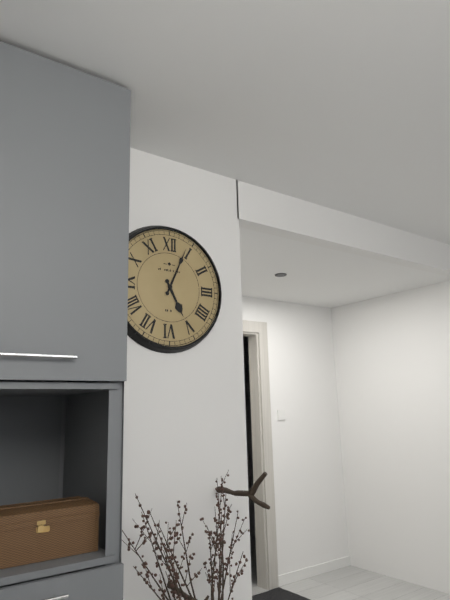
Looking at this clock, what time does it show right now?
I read 5:04
